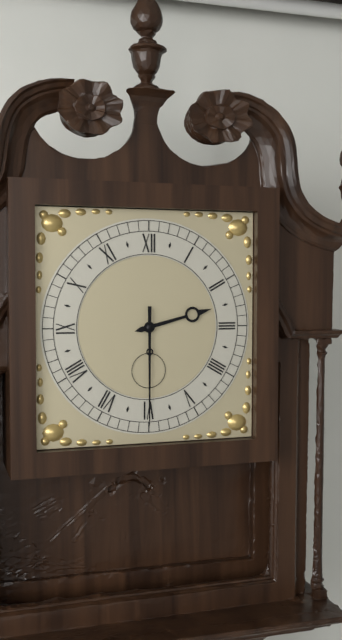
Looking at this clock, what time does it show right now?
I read 2:30
